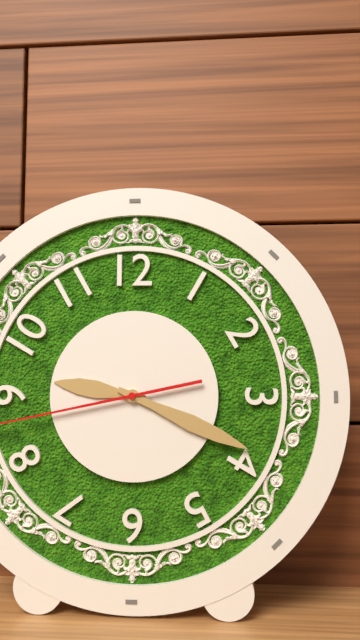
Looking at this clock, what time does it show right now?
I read 9:19
